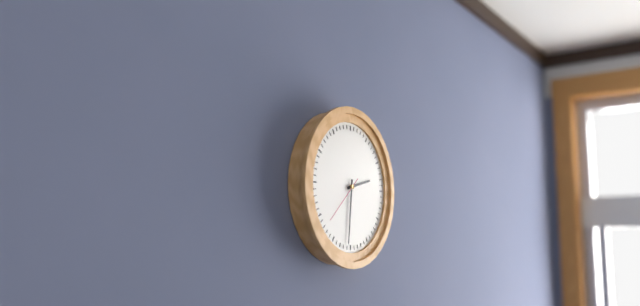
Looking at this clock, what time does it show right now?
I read 2:31
